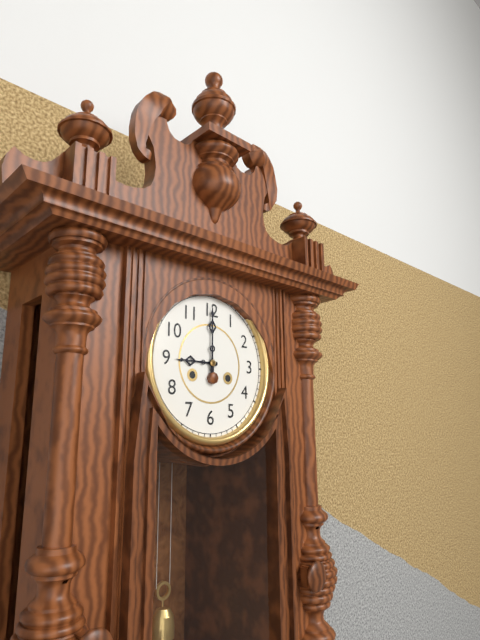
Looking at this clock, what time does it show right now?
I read 9:00
